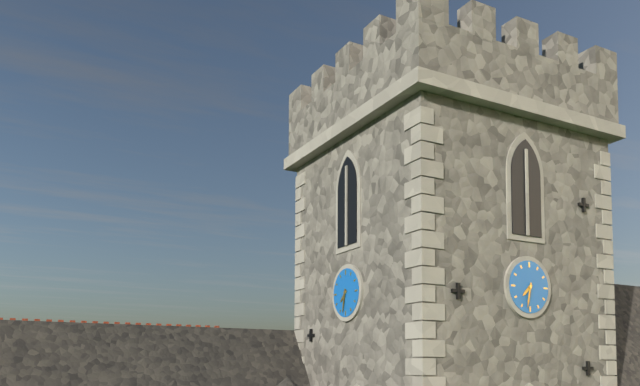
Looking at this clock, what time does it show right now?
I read 7:32
